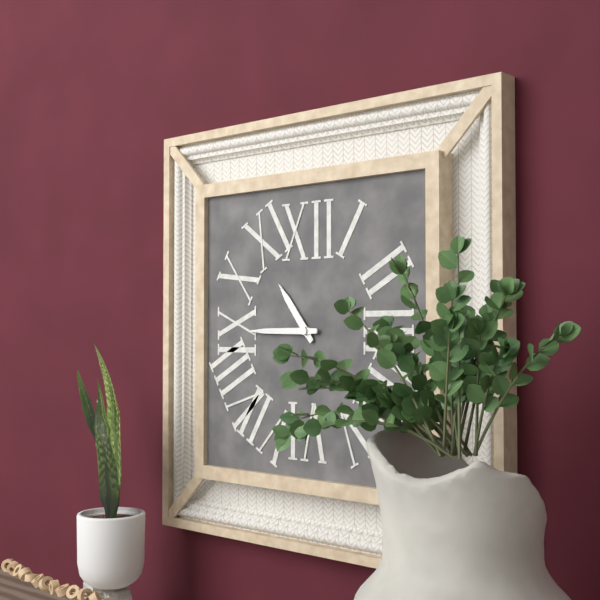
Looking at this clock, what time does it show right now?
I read 10:45
